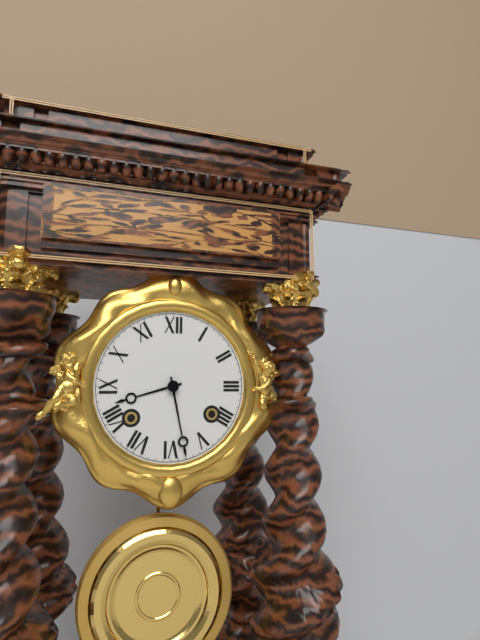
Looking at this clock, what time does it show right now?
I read 8:28
